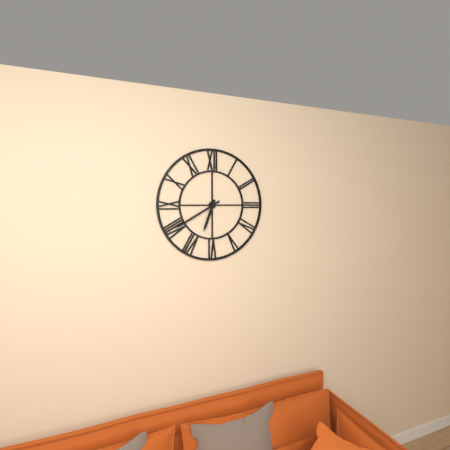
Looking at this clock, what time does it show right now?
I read 6:40
